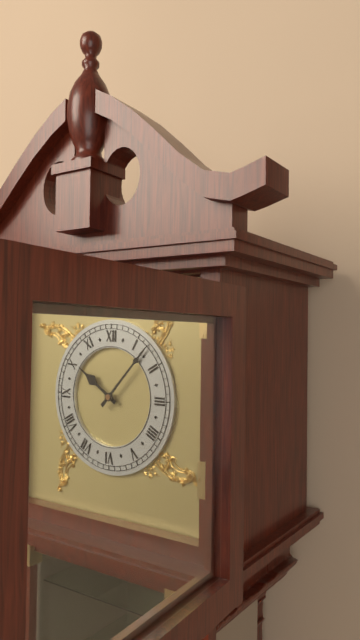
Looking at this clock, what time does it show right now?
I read 10:07
